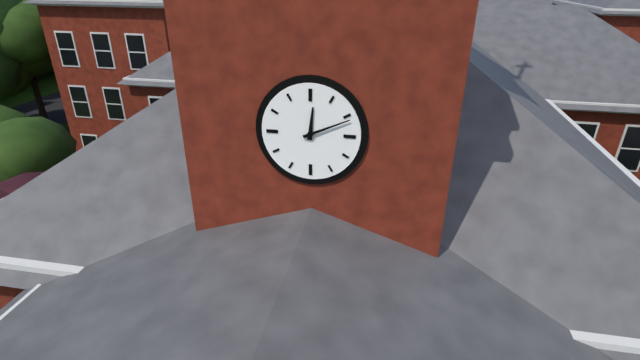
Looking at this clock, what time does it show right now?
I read 12:11
